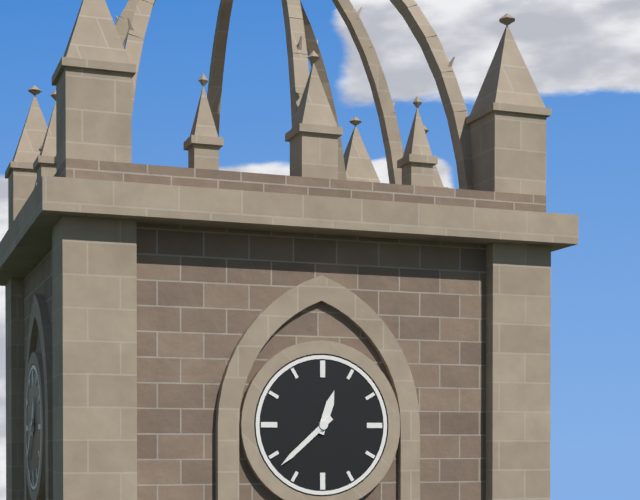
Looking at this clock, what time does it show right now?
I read 12:38
